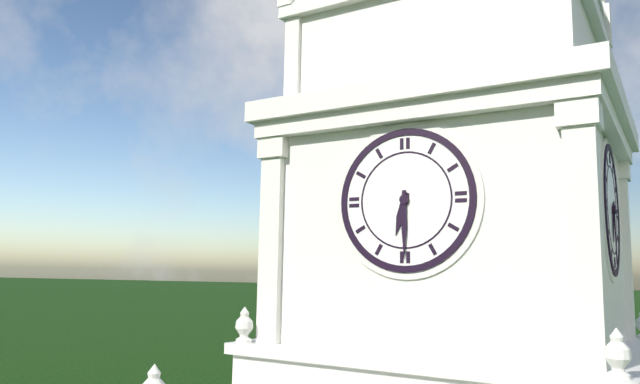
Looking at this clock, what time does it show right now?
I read 6:30
